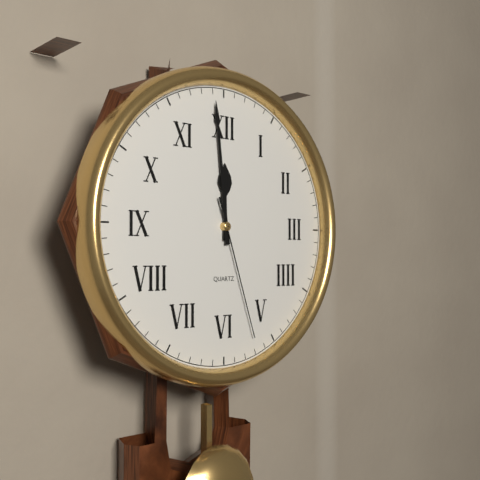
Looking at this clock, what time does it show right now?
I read 11:59:27
